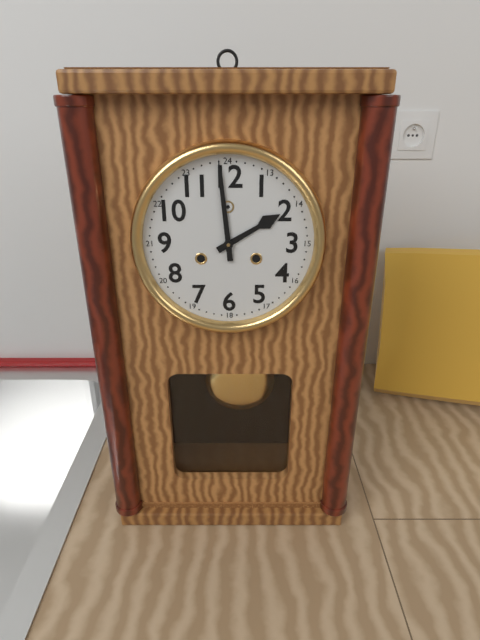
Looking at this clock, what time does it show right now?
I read 1:59
